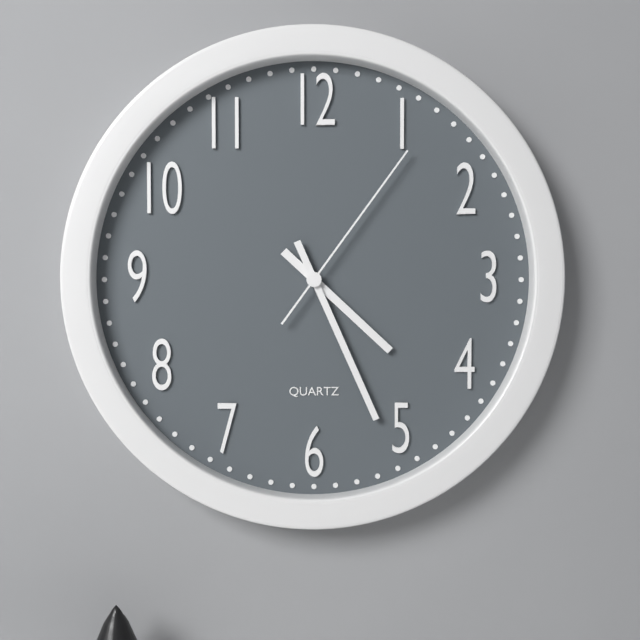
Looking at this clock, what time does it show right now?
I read 4:26:06
